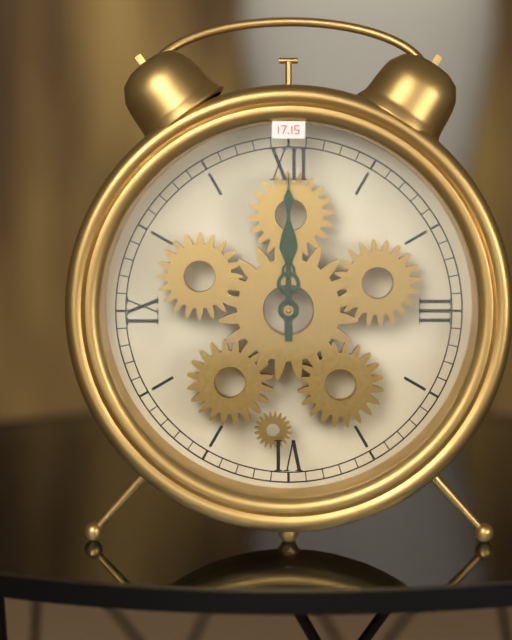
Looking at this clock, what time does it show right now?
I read 12:00
